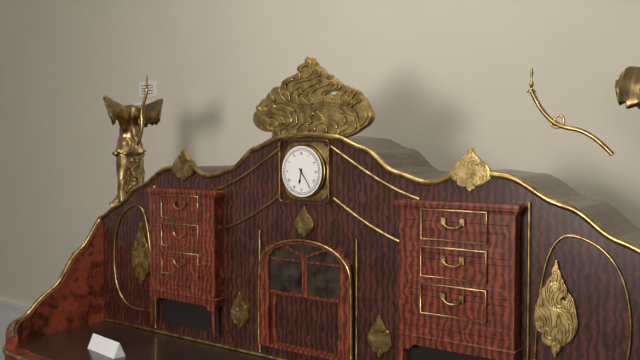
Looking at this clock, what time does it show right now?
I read 6:24
